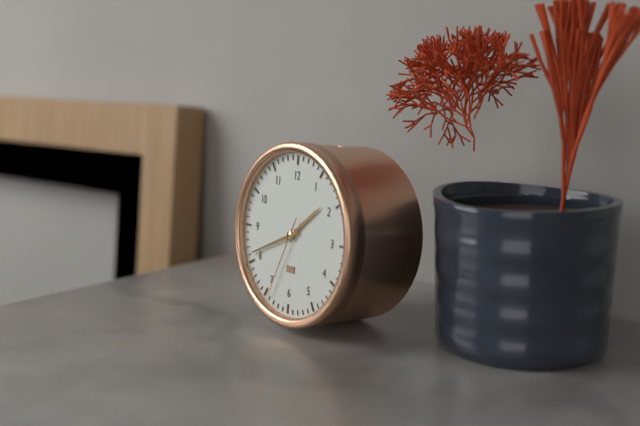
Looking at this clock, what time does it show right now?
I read 1:41:34
